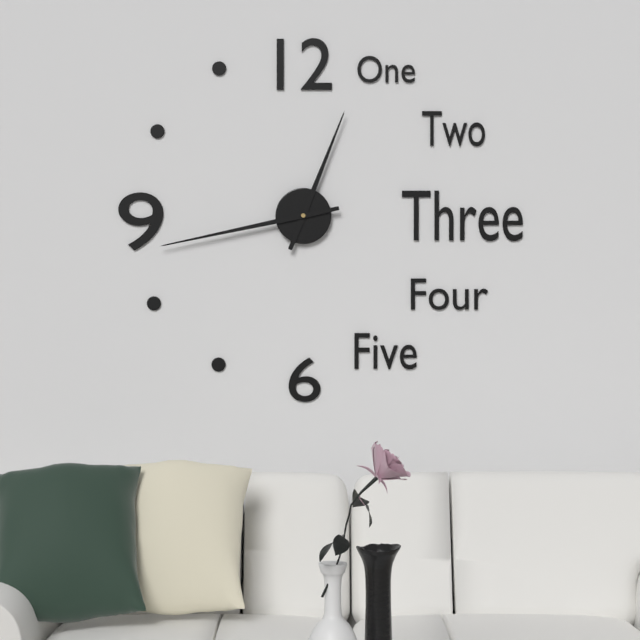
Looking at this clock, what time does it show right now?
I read 12:43
